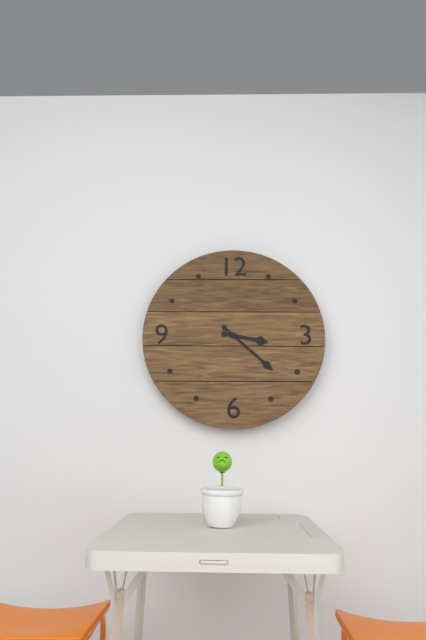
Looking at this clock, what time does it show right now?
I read 3:22
